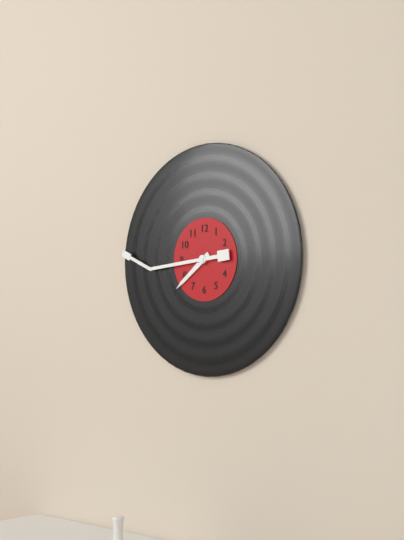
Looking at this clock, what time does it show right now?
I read 7:44
